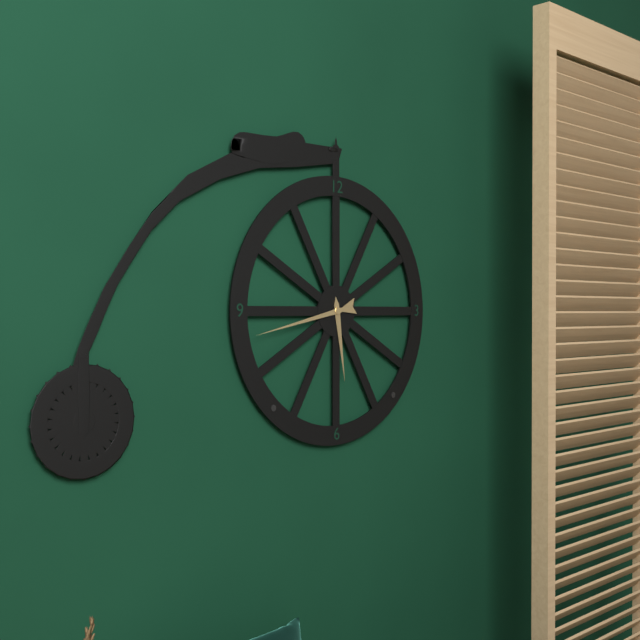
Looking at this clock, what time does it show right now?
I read 5:43
